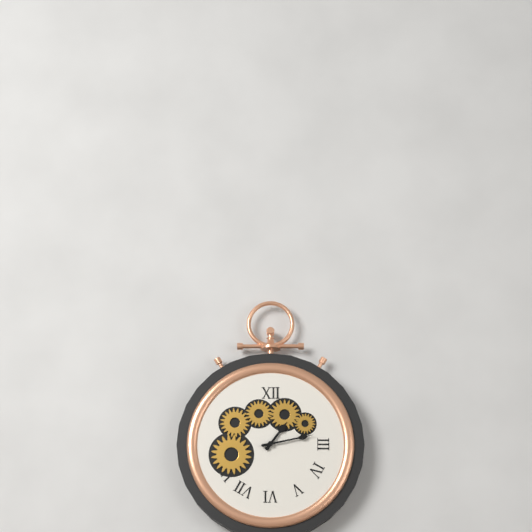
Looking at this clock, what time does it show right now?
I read 1:13
